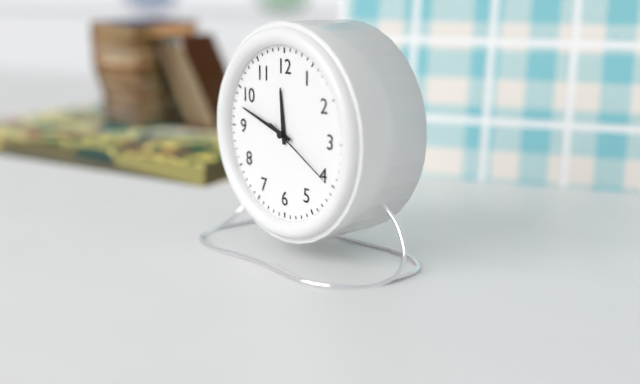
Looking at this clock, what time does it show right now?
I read 11:48:20
